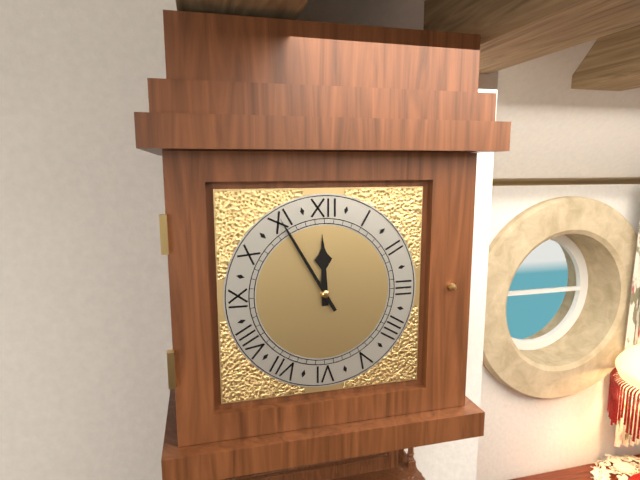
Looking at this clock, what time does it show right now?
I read 11:55
